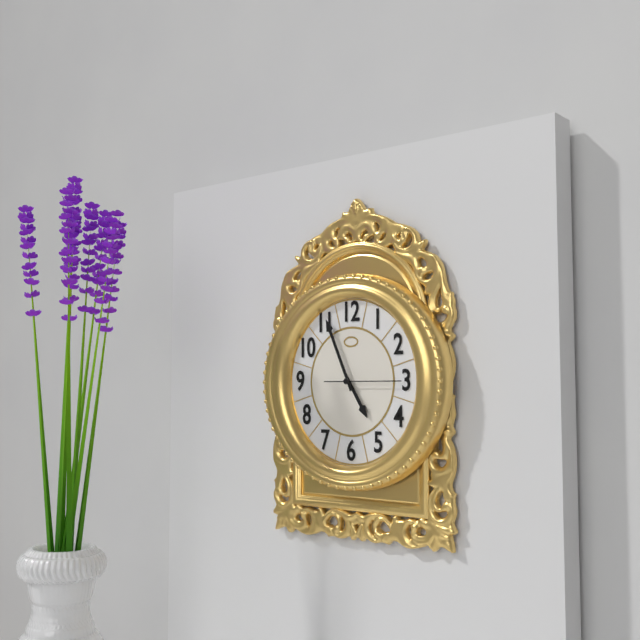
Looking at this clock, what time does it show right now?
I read 4:56:15
